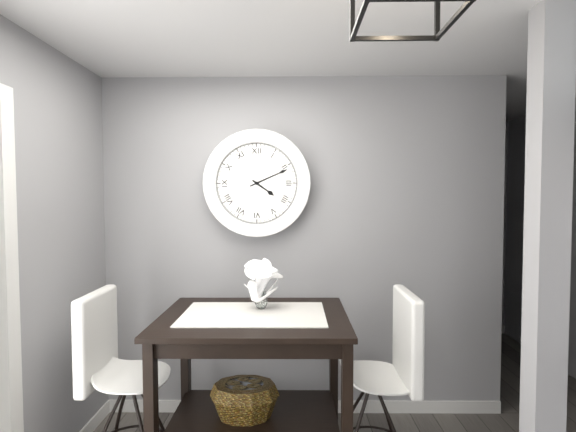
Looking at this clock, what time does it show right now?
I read 4:11
